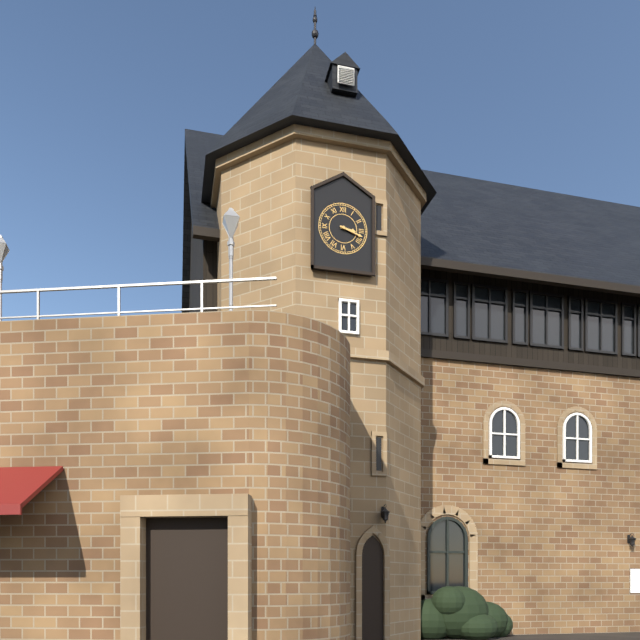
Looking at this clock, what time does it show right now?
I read 3:18
